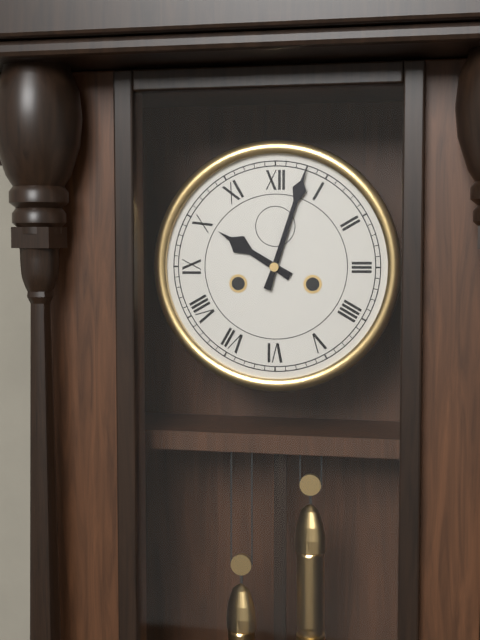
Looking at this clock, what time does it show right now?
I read 10:03
